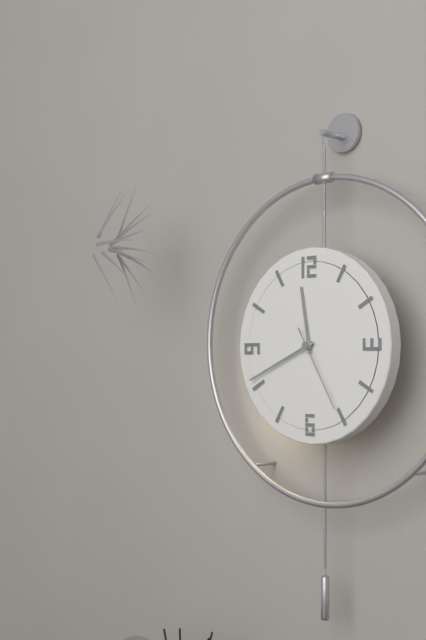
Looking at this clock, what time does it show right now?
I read 11:41:25
